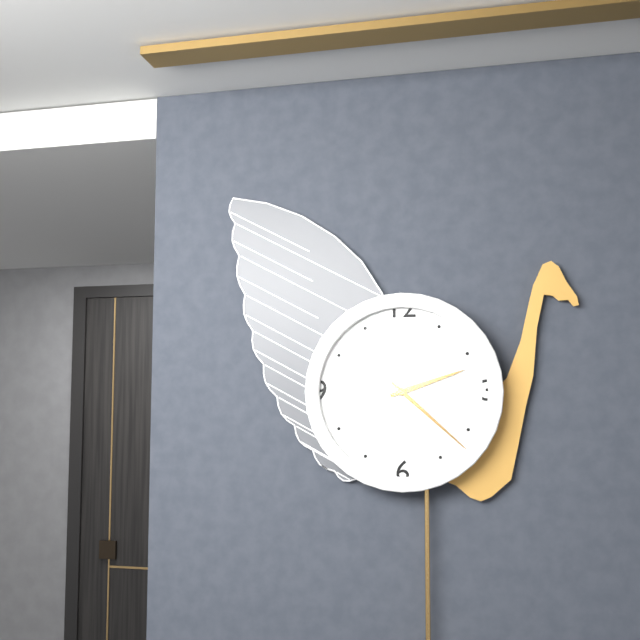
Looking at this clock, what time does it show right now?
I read 2:22
